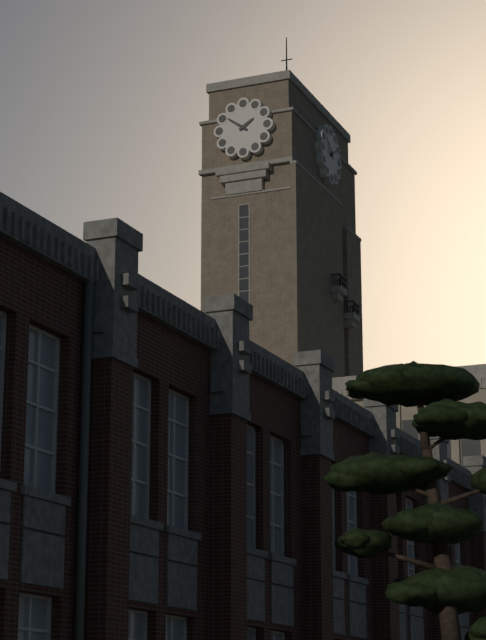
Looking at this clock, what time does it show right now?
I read 1:51
